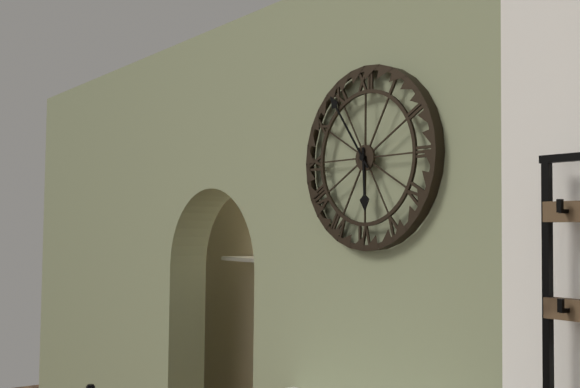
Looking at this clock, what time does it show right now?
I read 5:54
